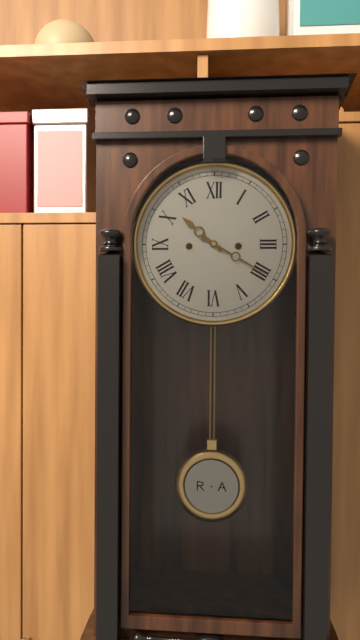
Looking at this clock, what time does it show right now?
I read 10:20
